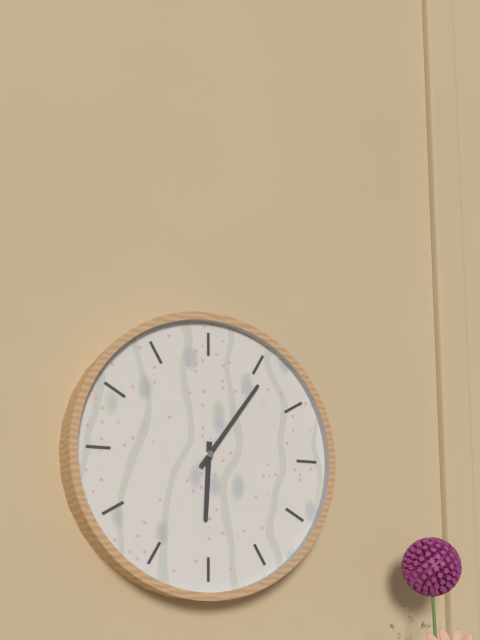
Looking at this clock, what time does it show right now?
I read 6:06
